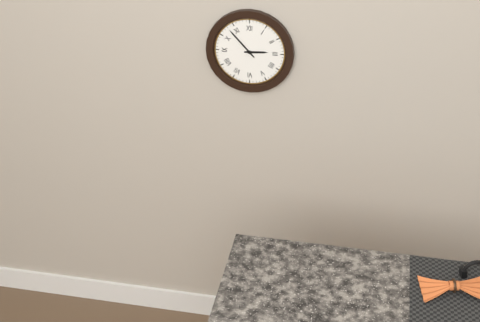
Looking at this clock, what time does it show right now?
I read 2:53
